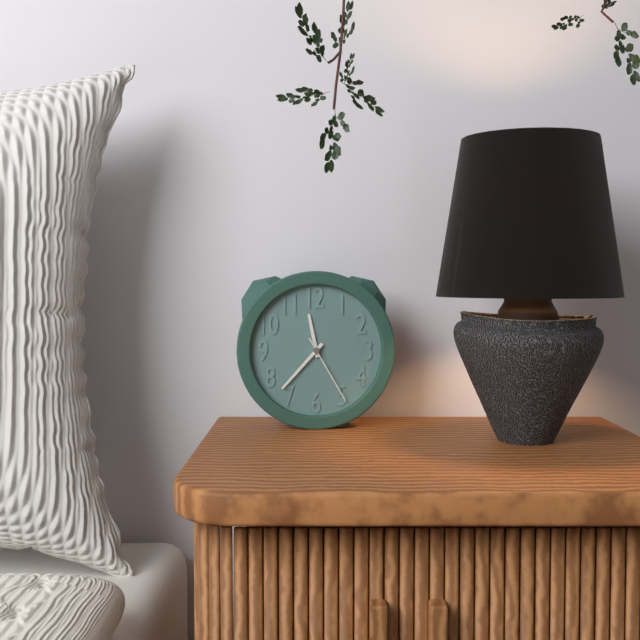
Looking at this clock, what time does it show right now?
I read 11:37:25
